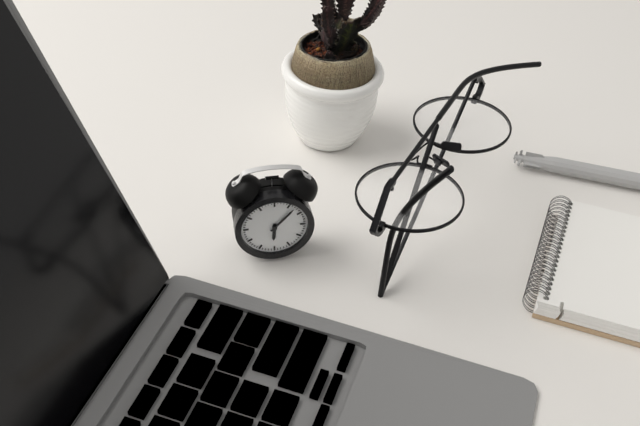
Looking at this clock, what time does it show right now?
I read 6:07
